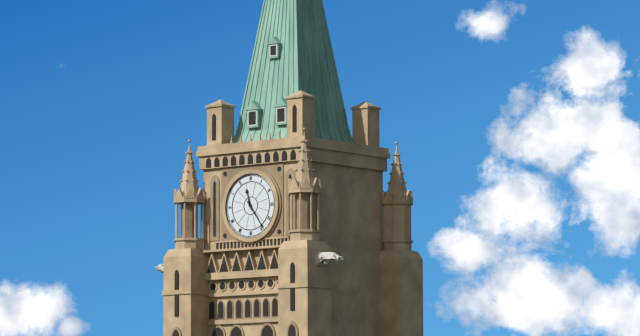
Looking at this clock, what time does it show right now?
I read 11:24
